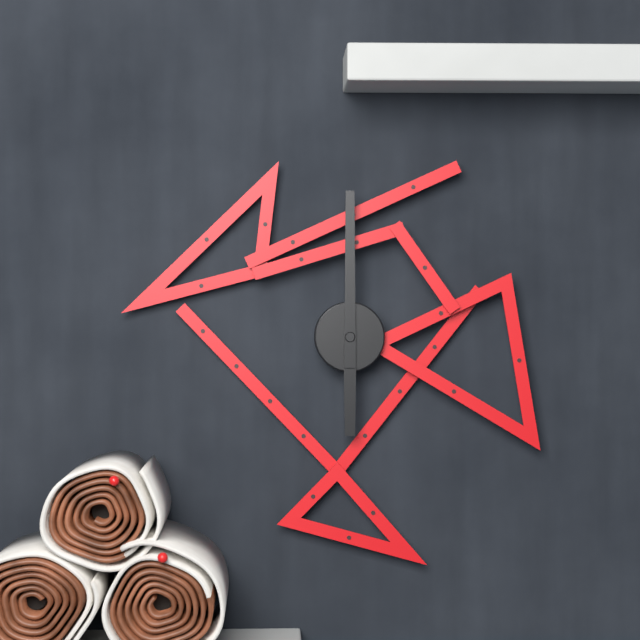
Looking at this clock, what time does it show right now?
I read 6:00
